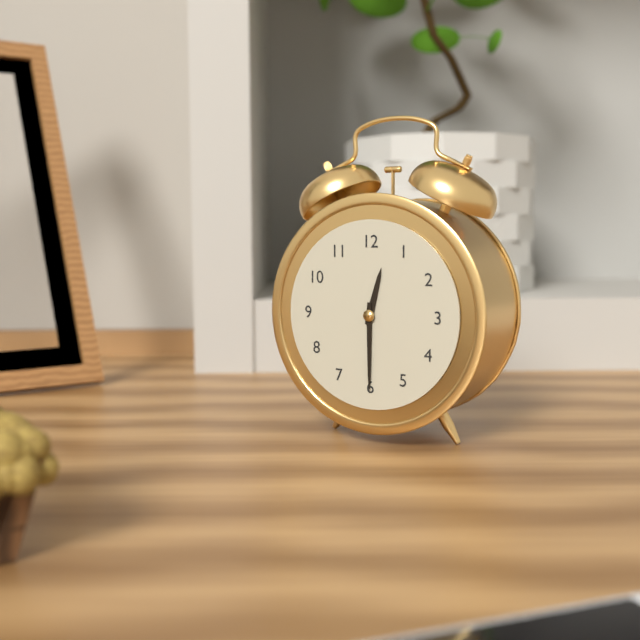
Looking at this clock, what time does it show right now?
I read 12:30
